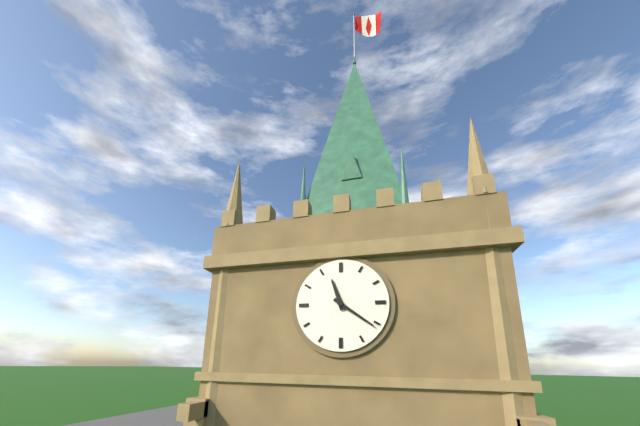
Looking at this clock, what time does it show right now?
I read 11:21
